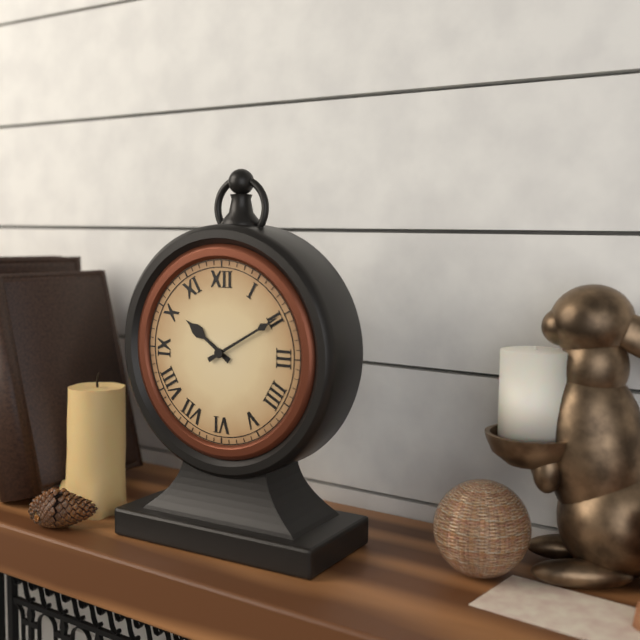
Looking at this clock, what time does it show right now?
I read 10:10
